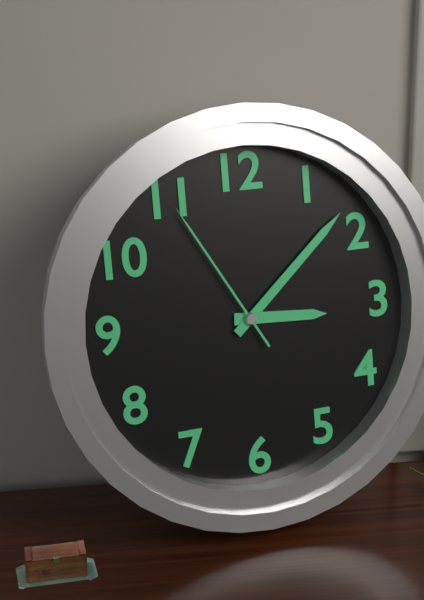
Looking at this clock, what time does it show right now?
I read 3:08:55
